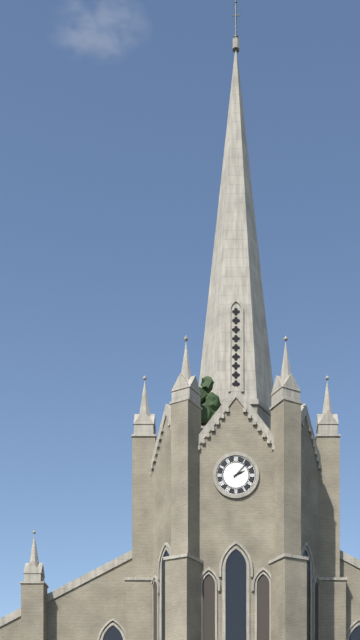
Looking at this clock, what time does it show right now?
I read 2:07
